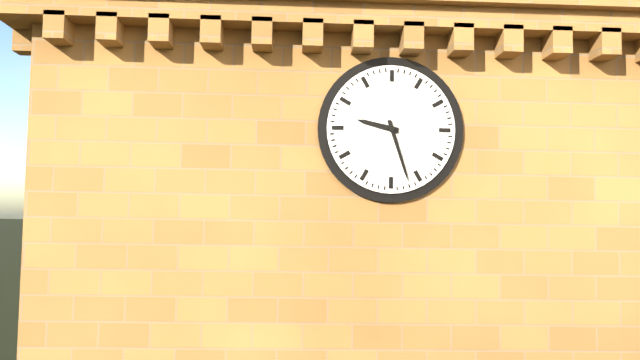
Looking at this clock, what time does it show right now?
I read 9:27
